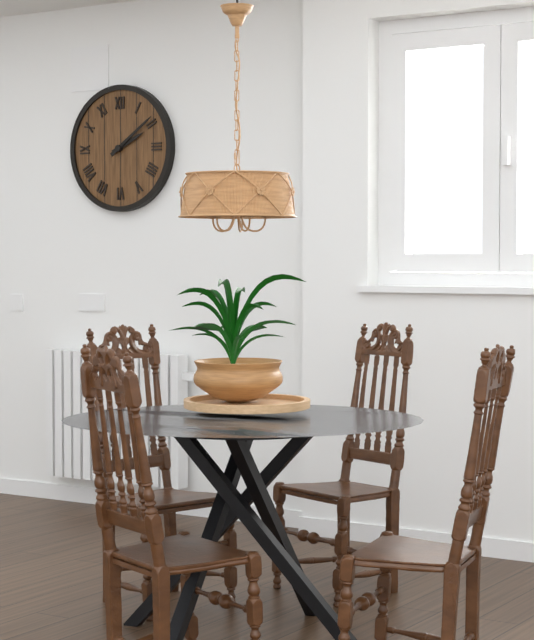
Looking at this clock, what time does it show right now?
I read 2:09
